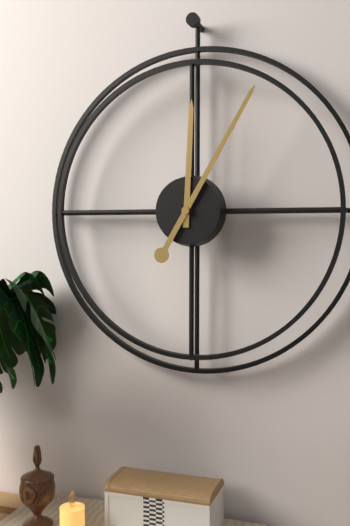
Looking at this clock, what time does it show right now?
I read 12:05
